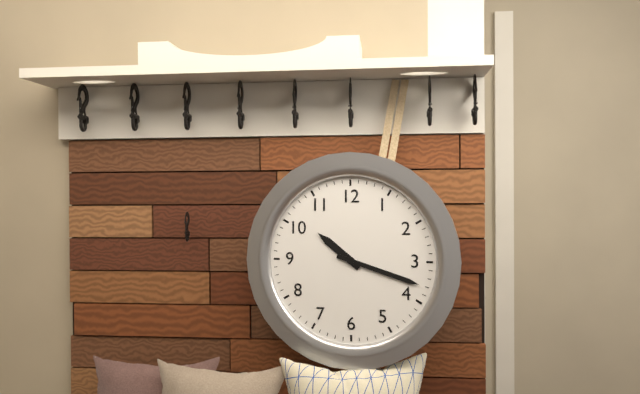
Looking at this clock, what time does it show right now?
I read 10:18
